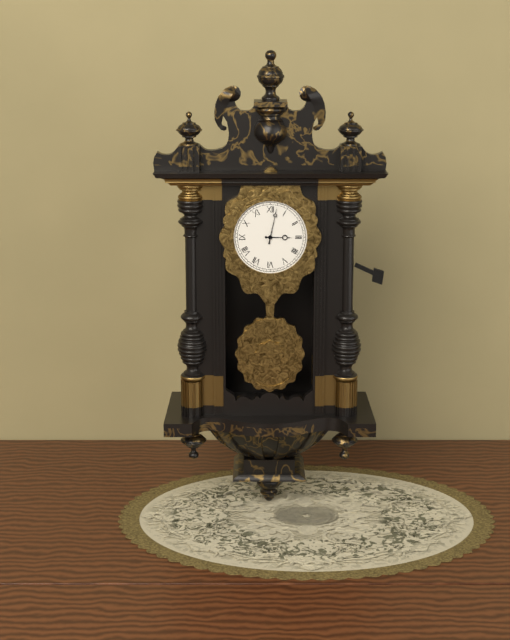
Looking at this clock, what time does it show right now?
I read 3:02
